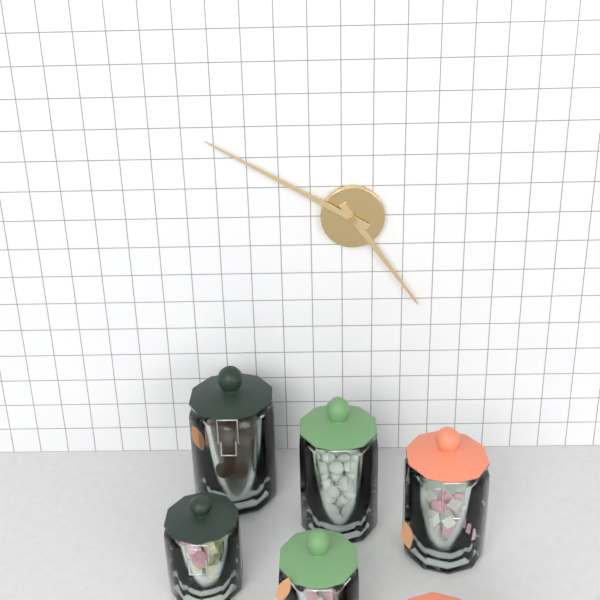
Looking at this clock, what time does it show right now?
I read 4:50
